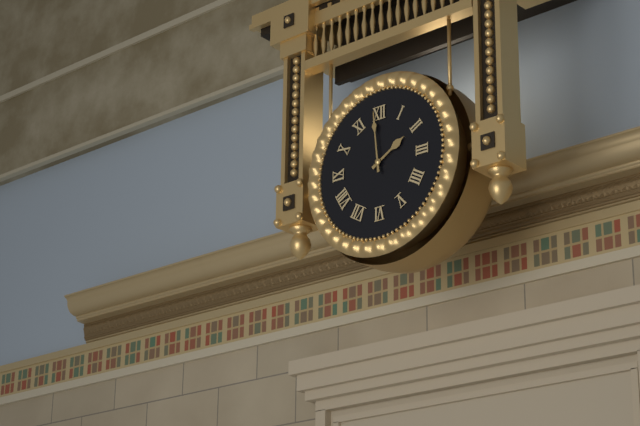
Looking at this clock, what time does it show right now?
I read 1:59
